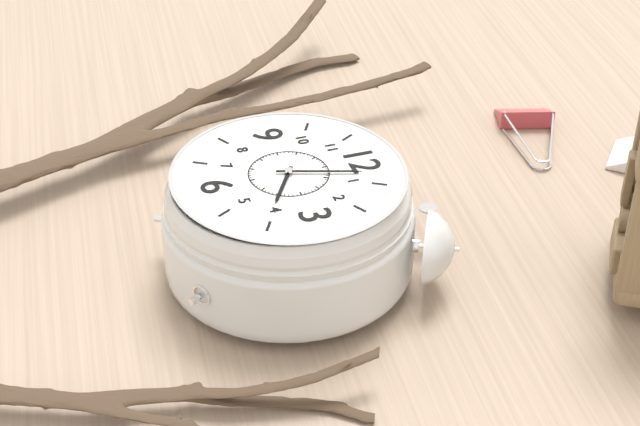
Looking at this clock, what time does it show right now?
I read 4:03
